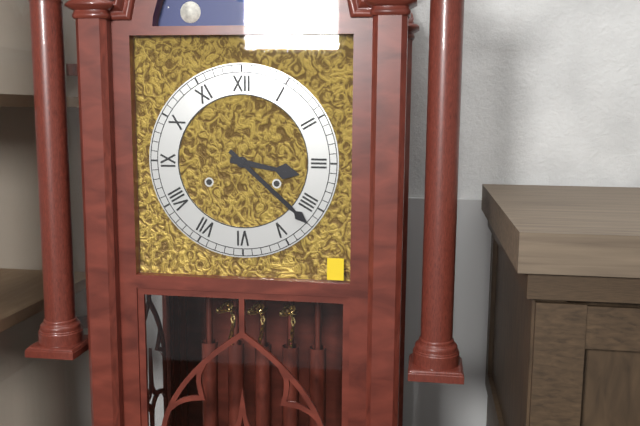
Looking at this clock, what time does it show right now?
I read 3:22
